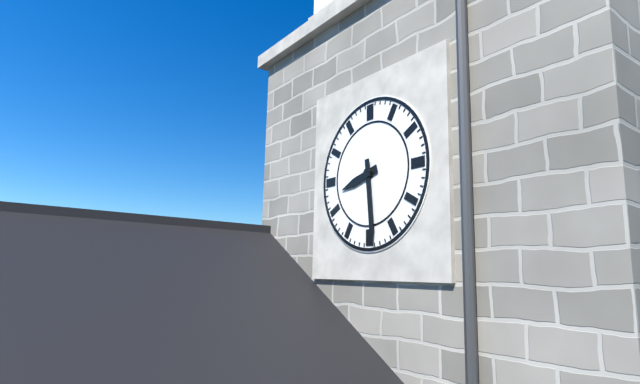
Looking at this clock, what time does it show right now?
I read 8:29
